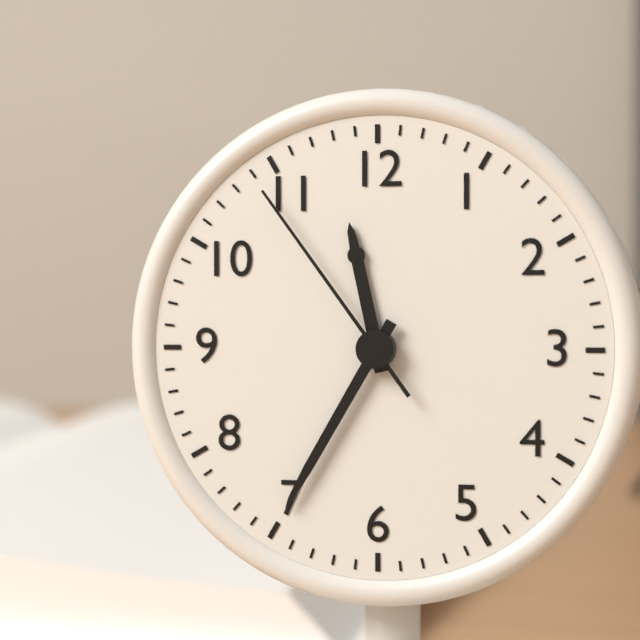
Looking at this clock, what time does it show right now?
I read 11:35:54
